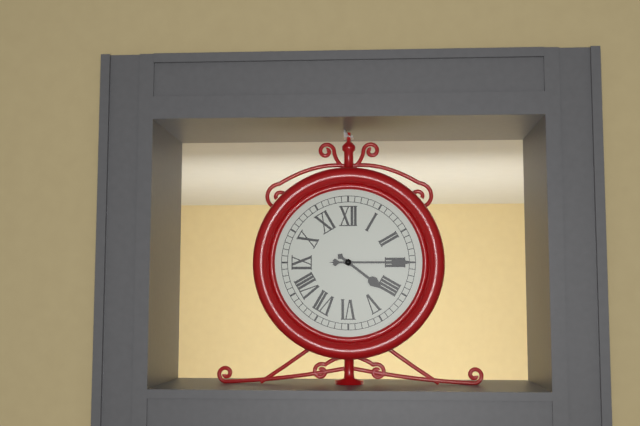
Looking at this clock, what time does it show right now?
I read 4:15
